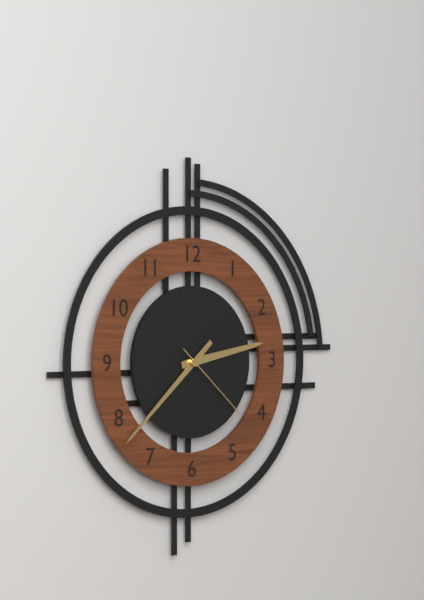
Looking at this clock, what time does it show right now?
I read 2:38:22
